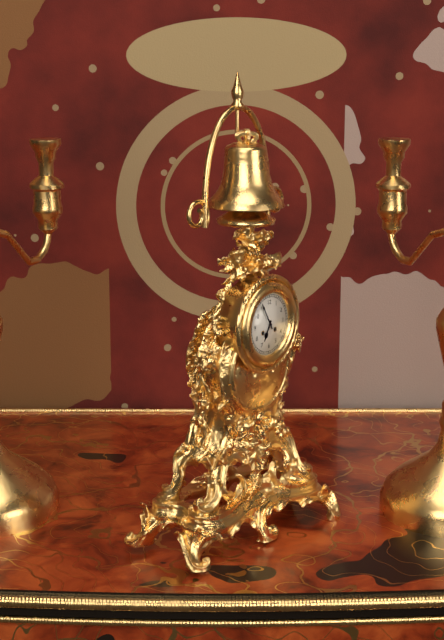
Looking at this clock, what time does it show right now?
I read 6:55
